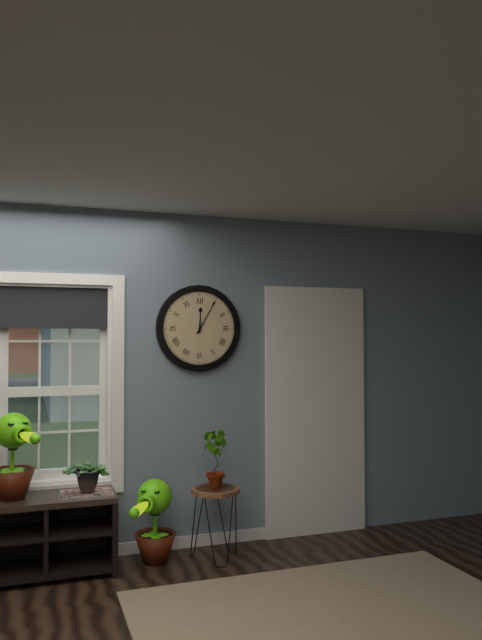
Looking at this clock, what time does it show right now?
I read 12:05
